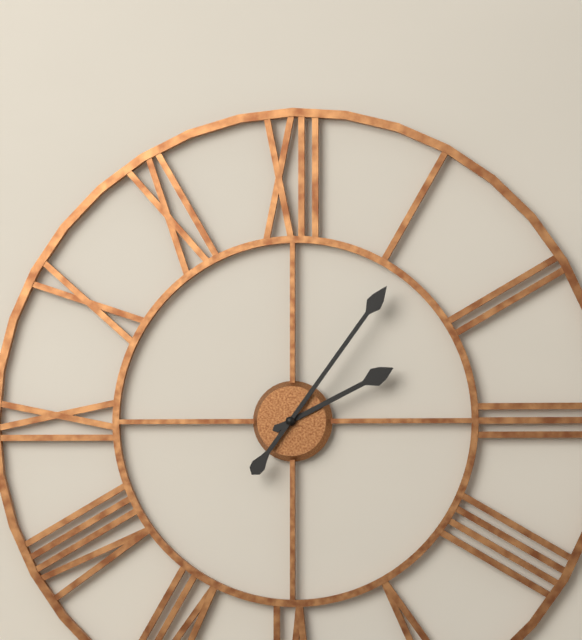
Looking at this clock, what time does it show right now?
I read 2:06
